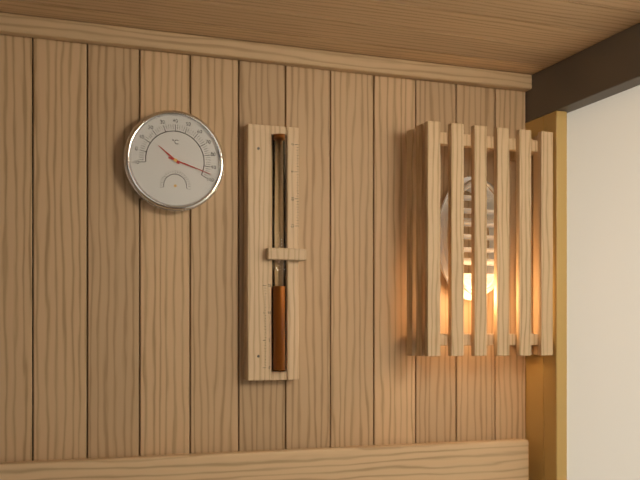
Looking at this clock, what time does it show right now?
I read 10:18
